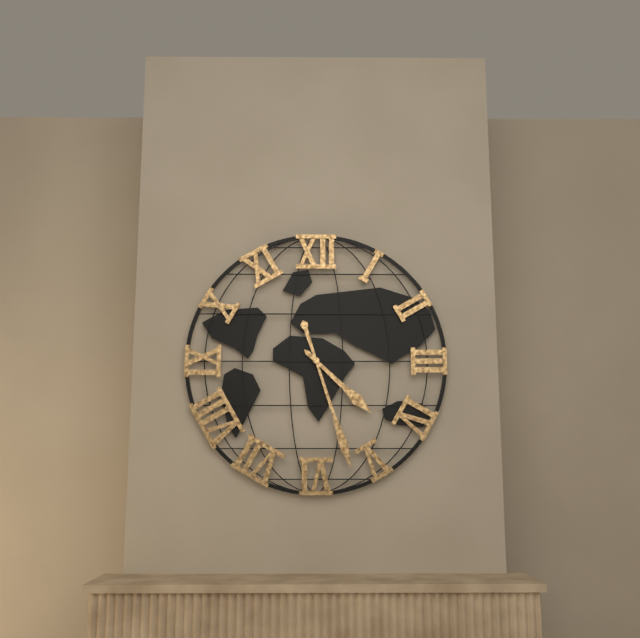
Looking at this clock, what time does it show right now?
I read 4:27
